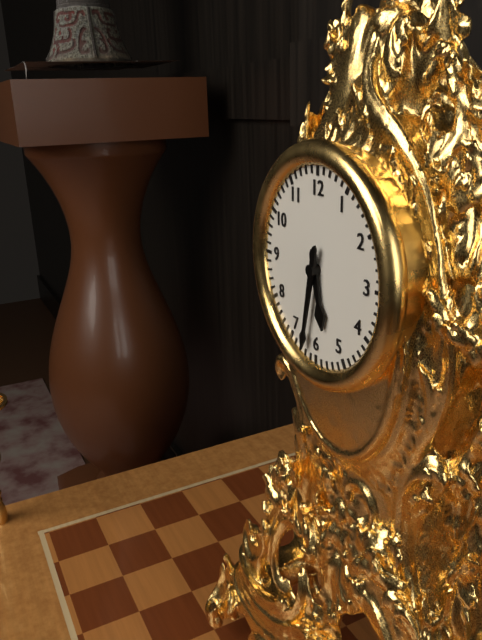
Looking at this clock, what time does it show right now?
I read 5:32
